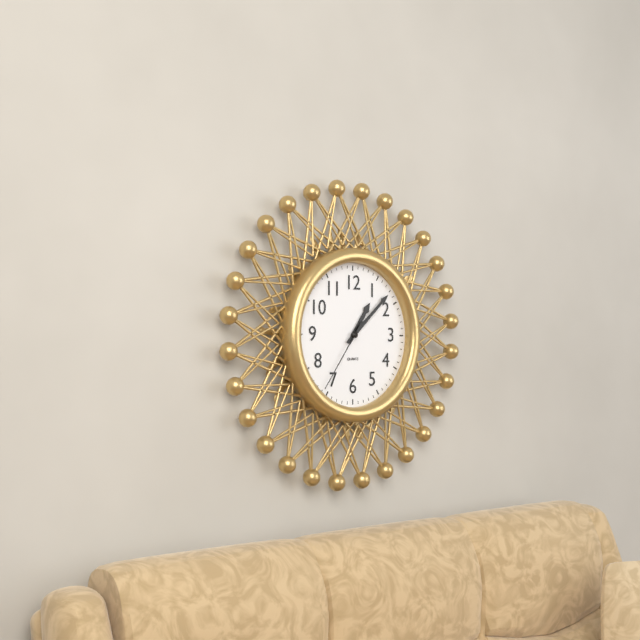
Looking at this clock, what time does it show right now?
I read 1:08:36
